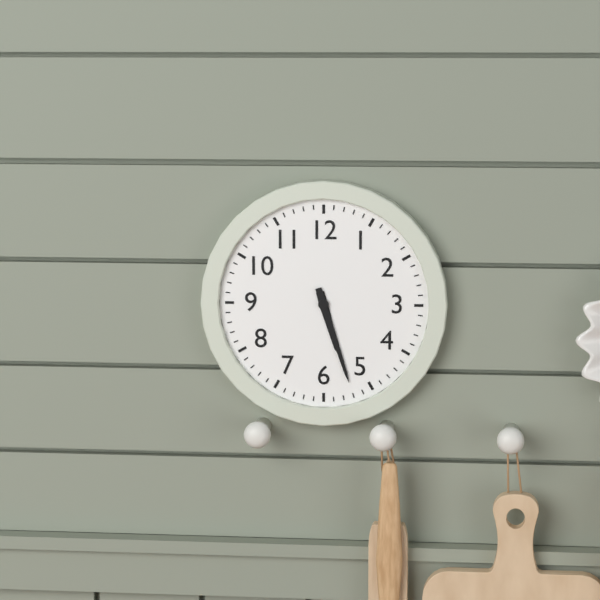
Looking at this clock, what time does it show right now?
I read 5:27
